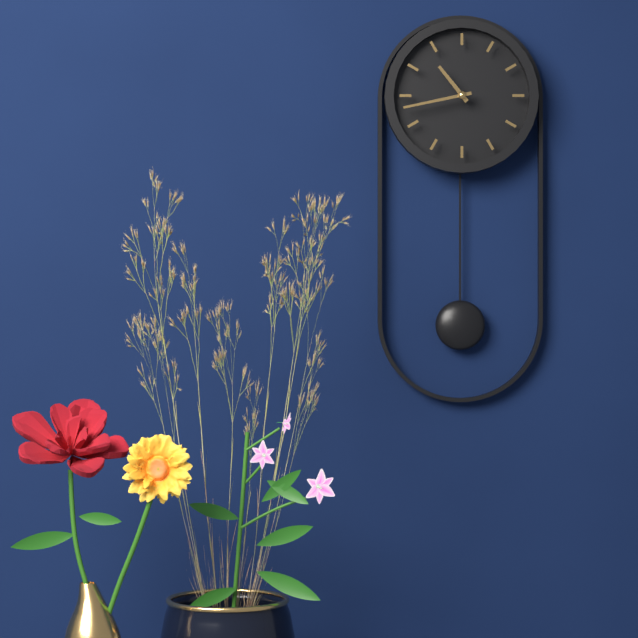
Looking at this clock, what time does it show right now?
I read 10:43
